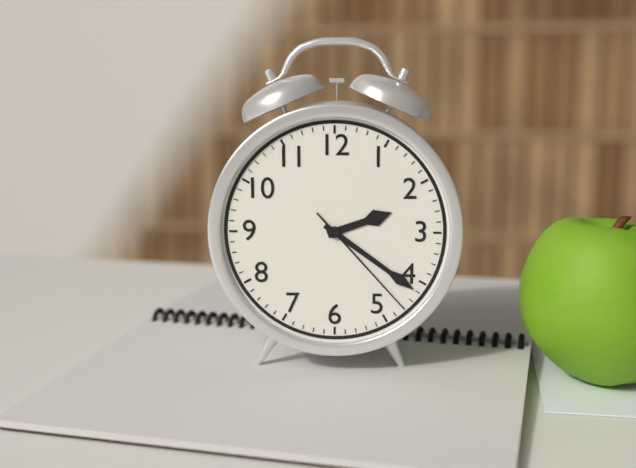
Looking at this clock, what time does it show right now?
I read 2:21:23
